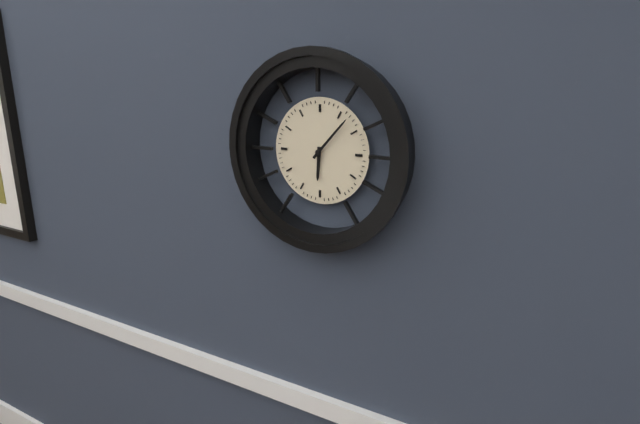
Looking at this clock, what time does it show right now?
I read 6:07
